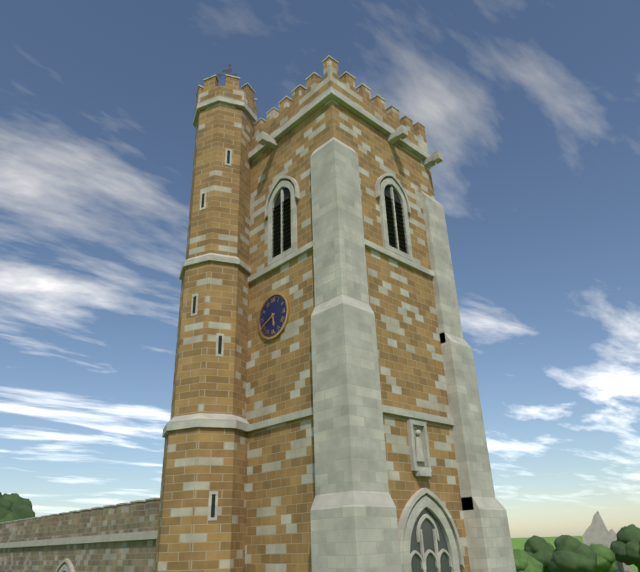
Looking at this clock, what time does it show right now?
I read 5:41
